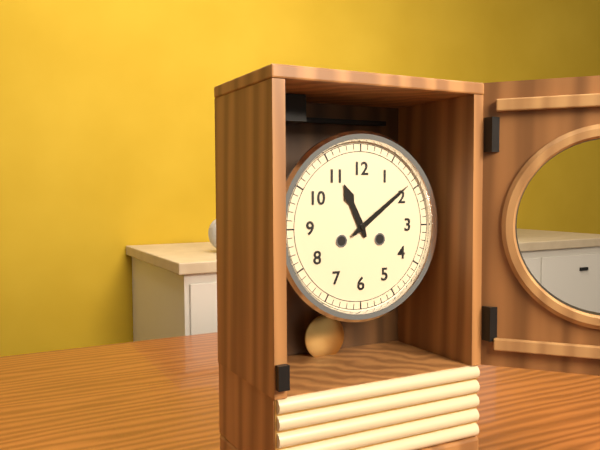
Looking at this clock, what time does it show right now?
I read 11:09
